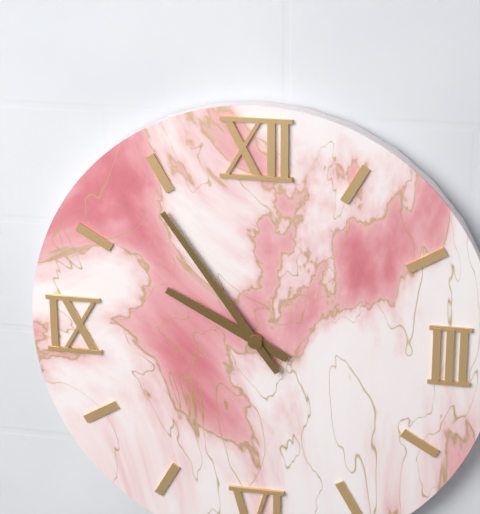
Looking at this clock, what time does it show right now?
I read 9:54
